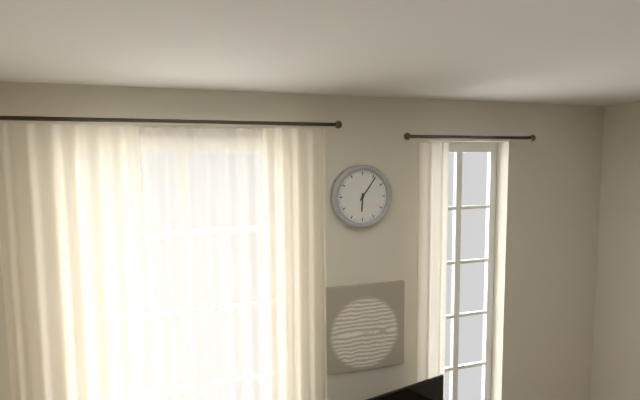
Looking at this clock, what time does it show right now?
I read 6:06
